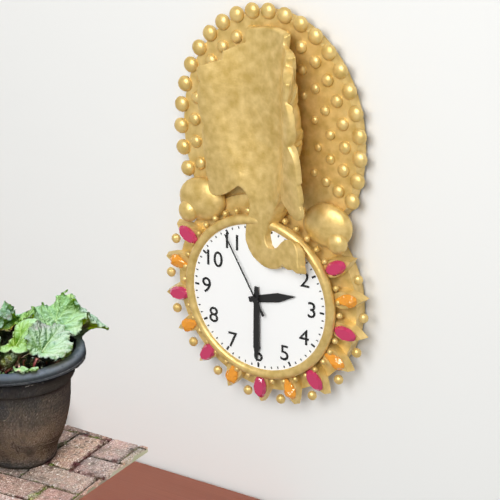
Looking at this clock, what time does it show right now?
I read 2:30:55
